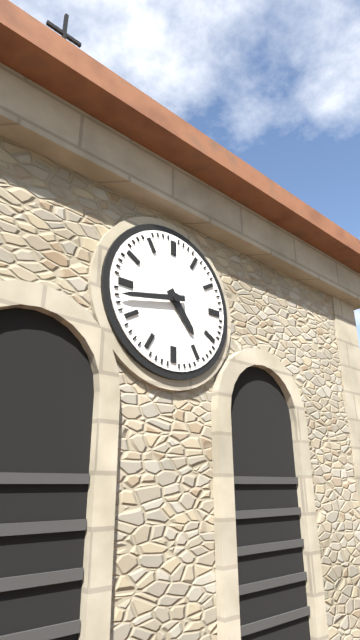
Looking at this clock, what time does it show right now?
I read 4:43
